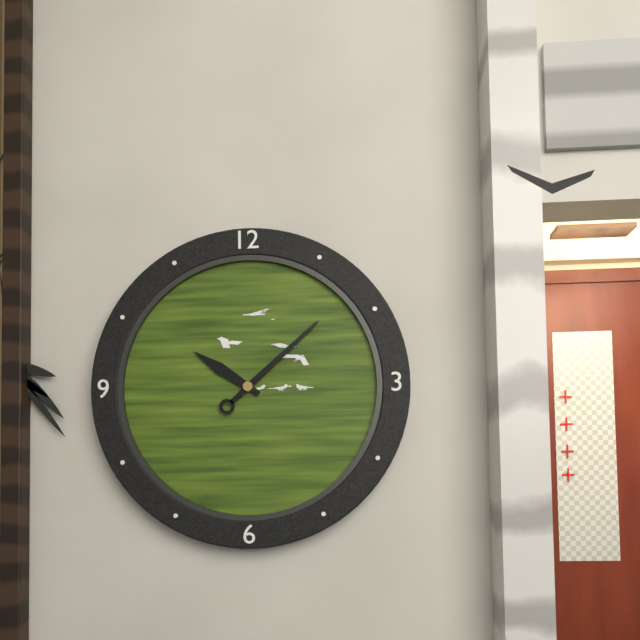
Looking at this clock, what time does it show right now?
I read 10:08
